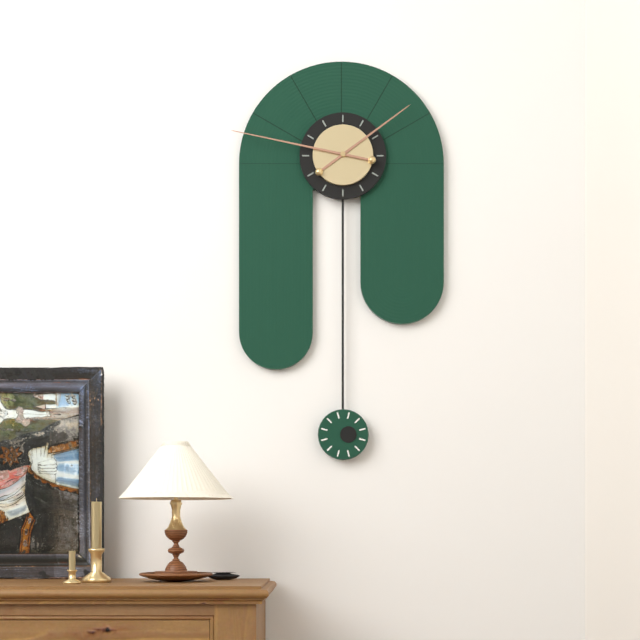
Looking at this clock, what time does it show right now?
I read 1:47
